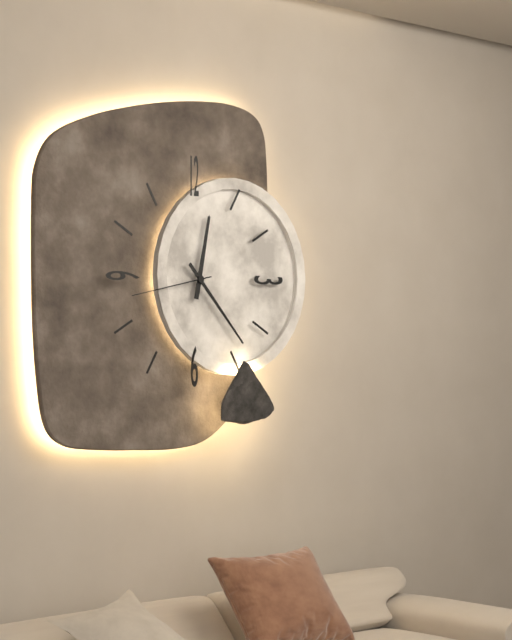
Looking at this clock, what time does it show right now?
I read 12:23:43
